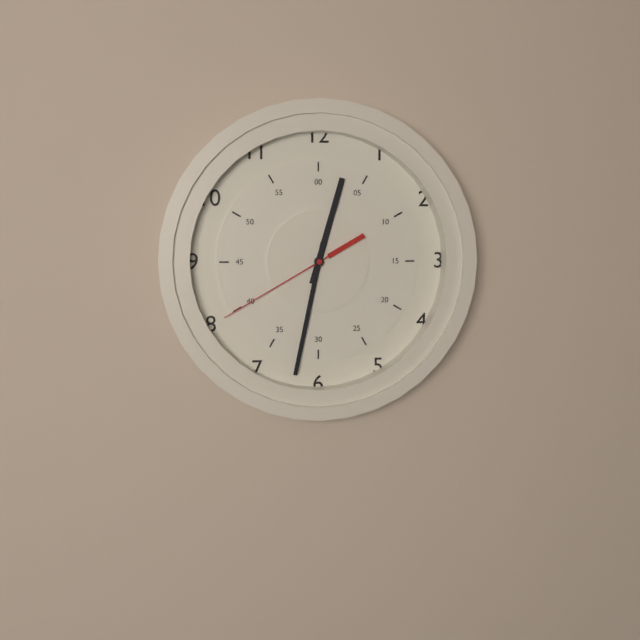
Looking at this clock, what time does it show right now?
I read 12:32:40
